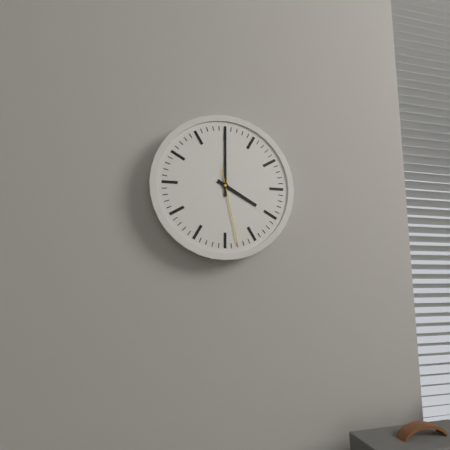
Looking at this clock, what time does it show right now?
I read 4:00:28
